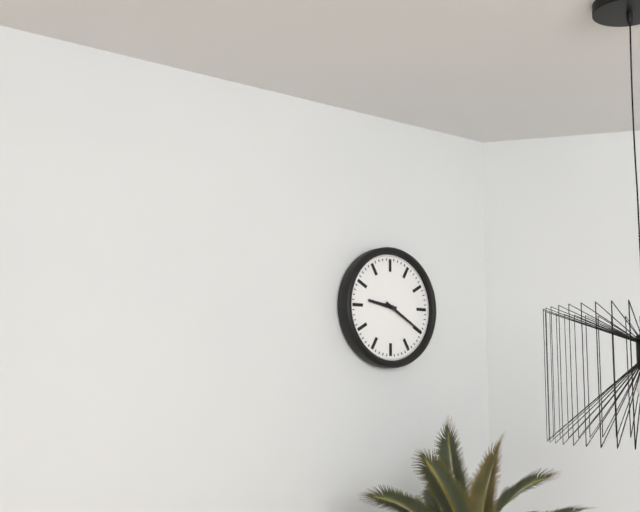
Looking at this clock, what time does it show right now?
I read 9:20
